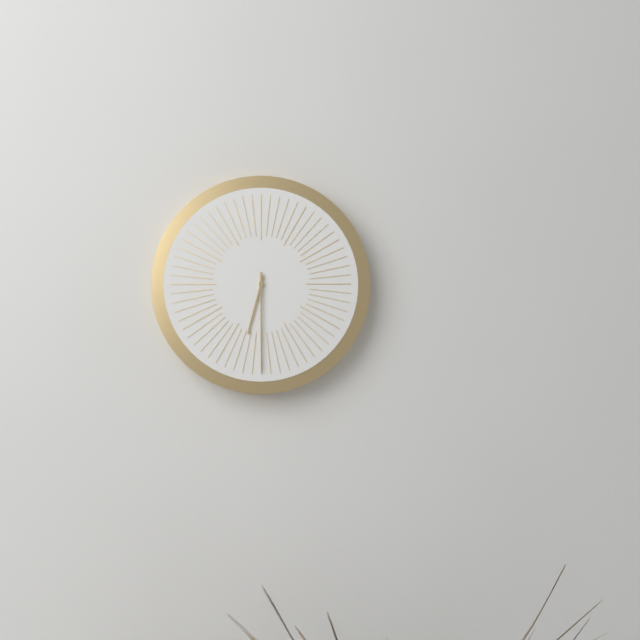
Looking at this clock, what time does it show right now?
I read 6:30
